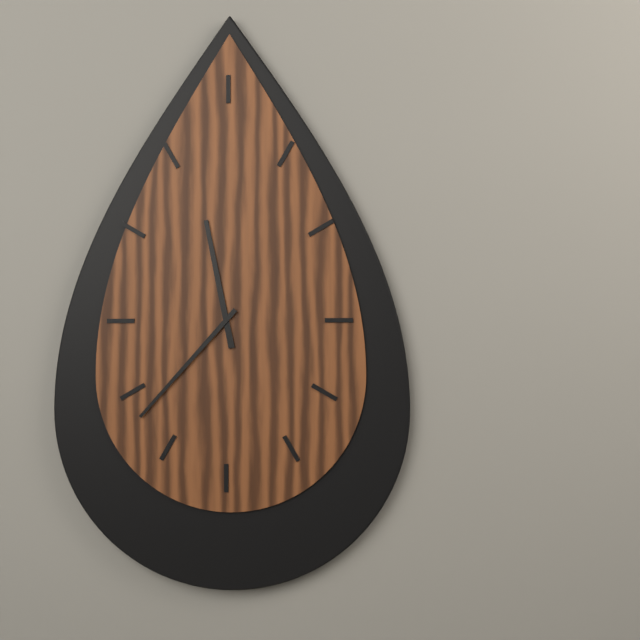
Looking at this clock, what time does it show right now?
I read 11:37
